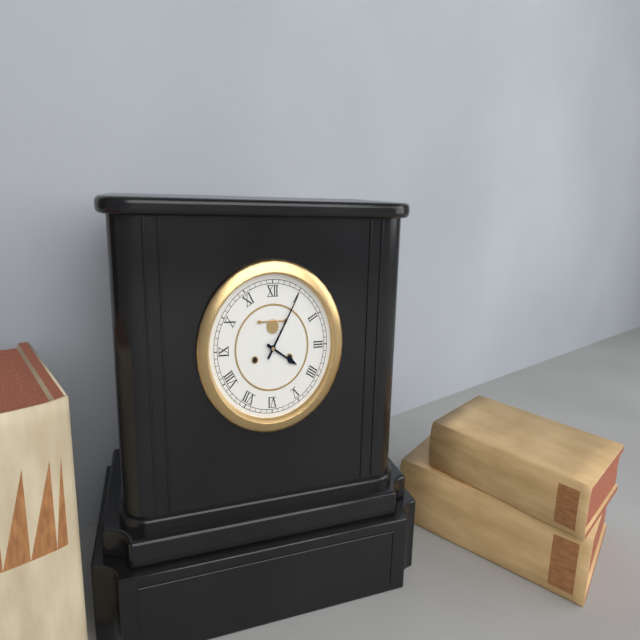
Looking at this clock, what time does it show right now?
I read 4:05
